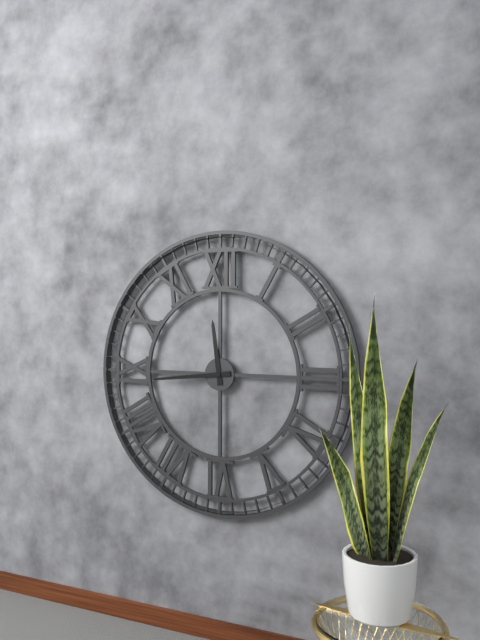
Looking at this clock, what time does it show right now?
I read 11:44
